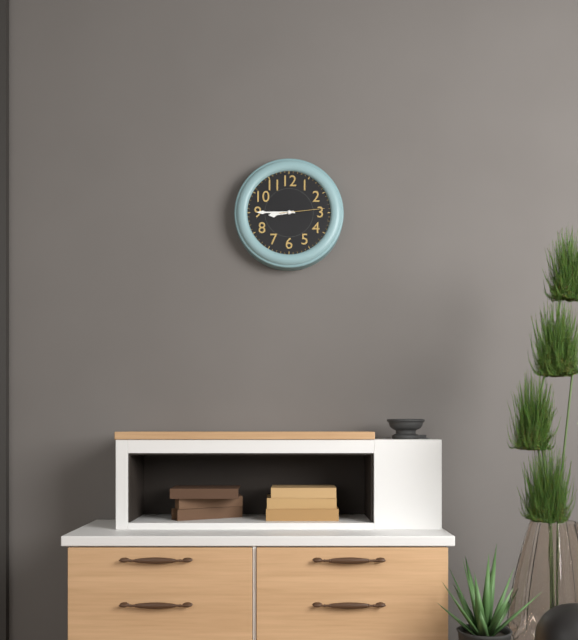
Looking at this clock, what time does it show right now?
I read 8:45
